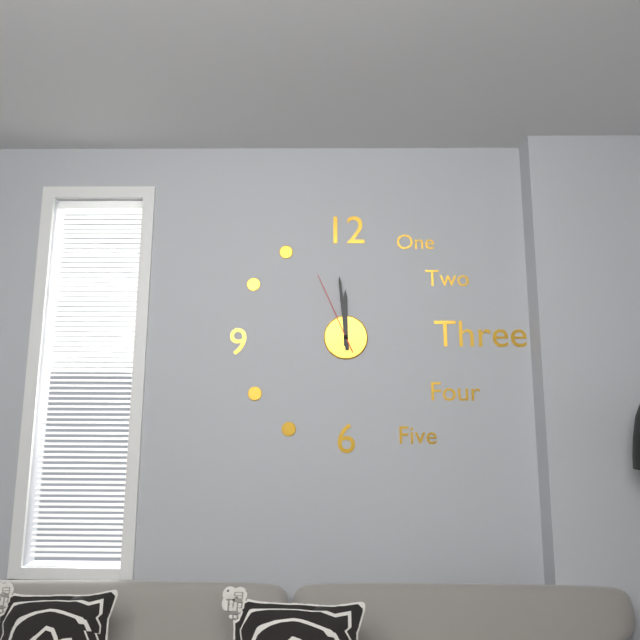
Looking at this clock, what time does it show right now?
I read 11:59:56
